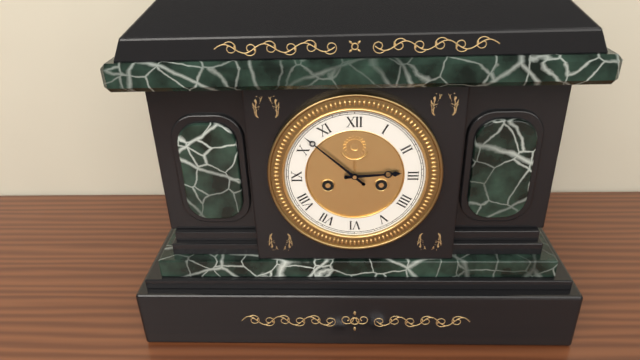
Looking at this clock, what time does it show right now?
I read 2:52
